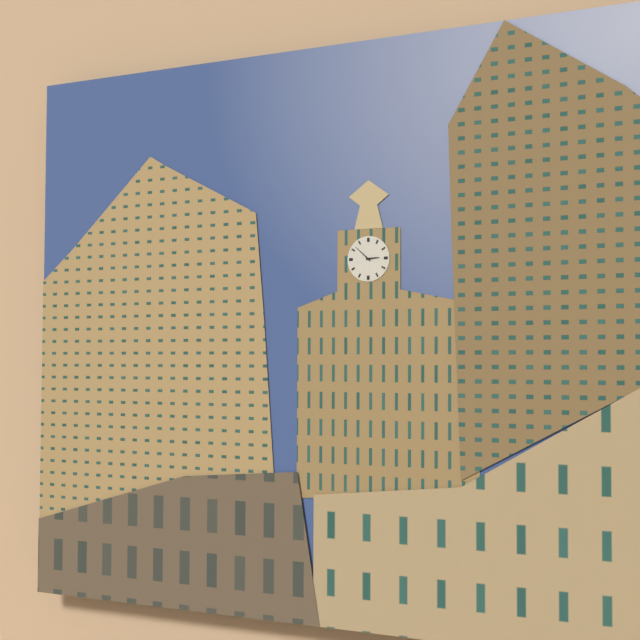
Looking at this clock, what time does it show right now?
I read 2:52
